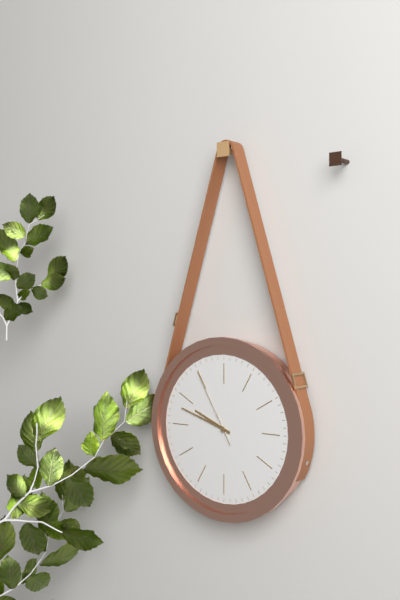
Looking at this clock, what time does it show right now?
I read 9:48:55
